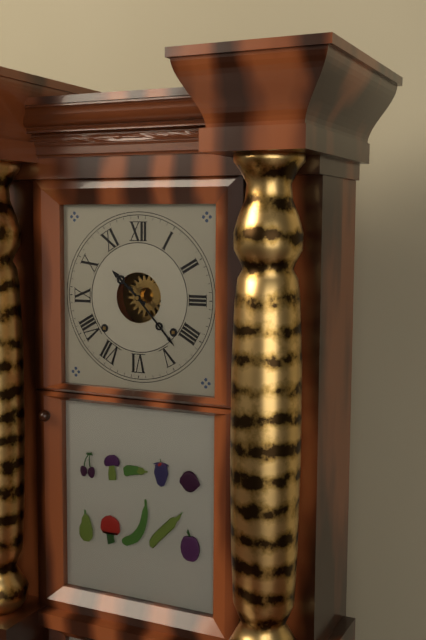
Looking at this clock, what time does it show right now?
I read 10:23
